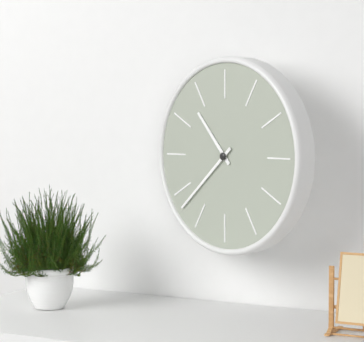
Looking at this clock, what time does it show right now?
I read 10:38
